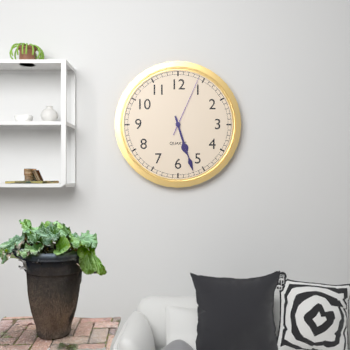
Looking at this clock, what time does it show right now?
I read 5:27:04
